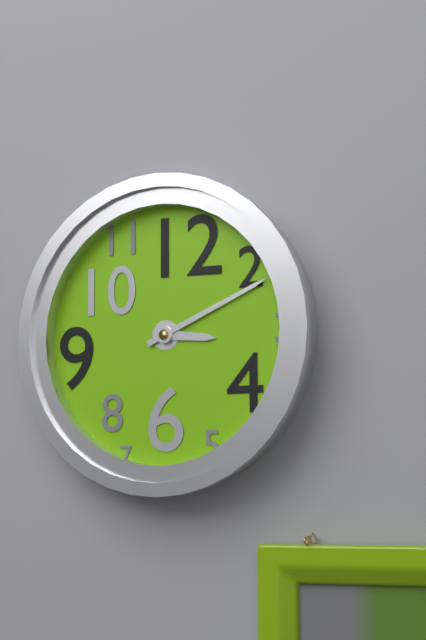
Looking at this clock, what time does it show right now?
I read 3:11
